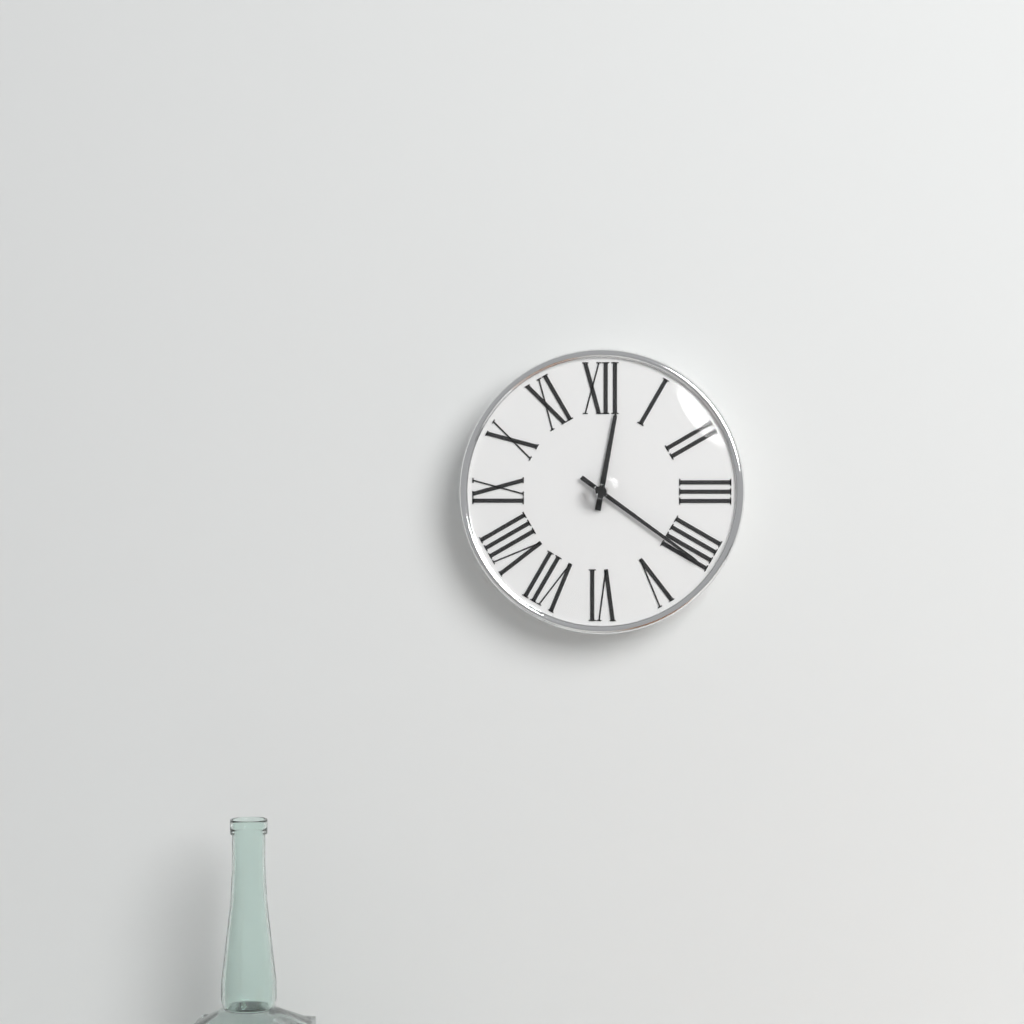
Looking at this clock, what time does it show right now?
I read 12:21
